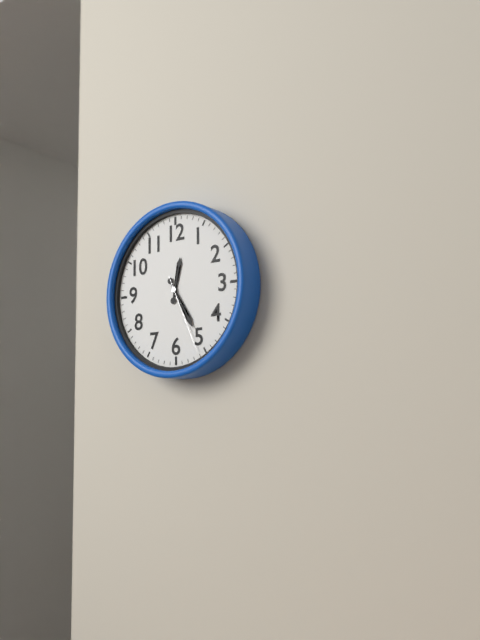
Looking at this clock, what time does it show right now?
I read 12:25:26
